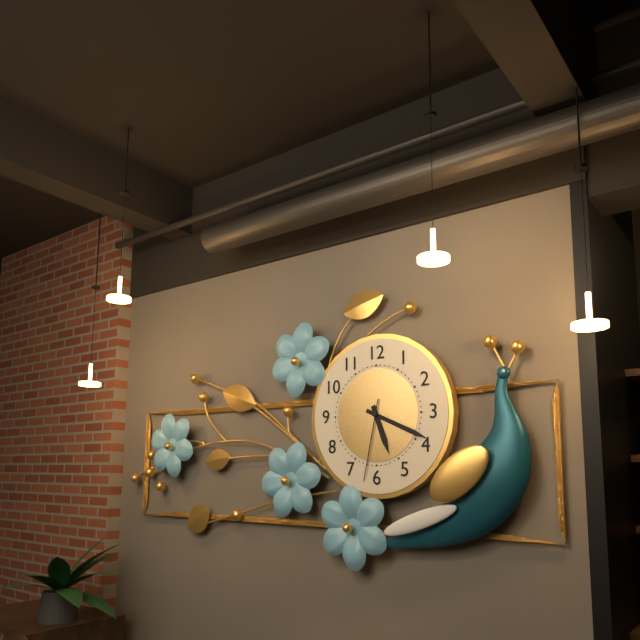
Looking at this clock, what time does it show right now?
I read 5:19:32
